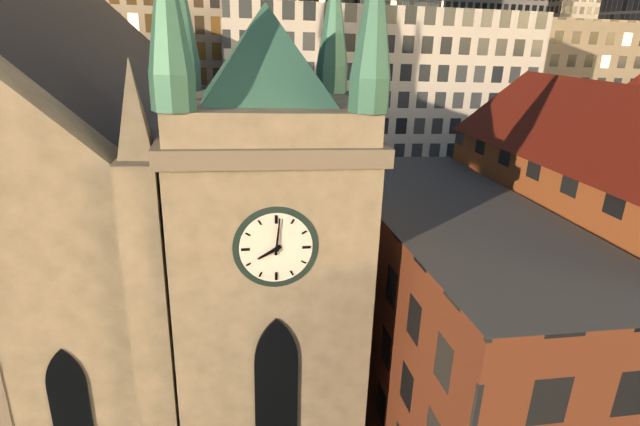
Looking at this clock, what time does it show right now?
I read 8:01
